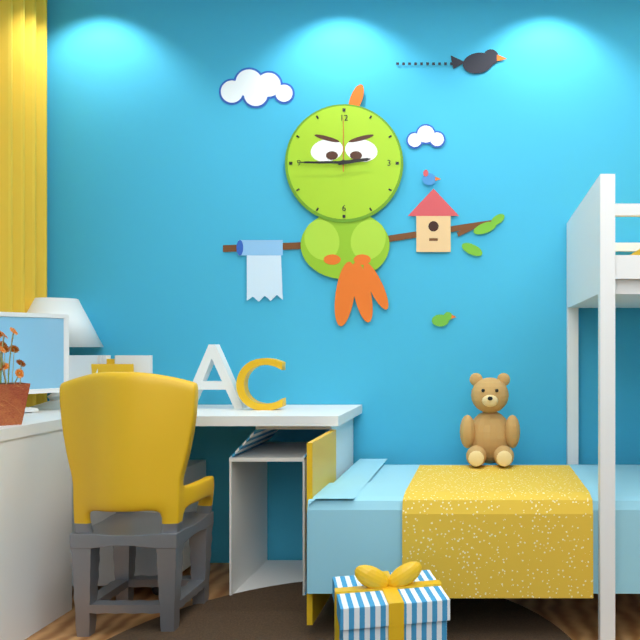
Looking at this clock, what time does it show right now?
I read 2:45:00
